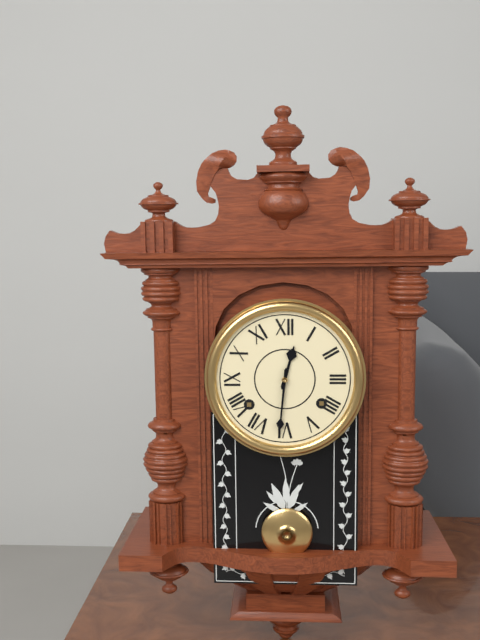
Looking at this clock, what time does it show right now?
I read 12:31
